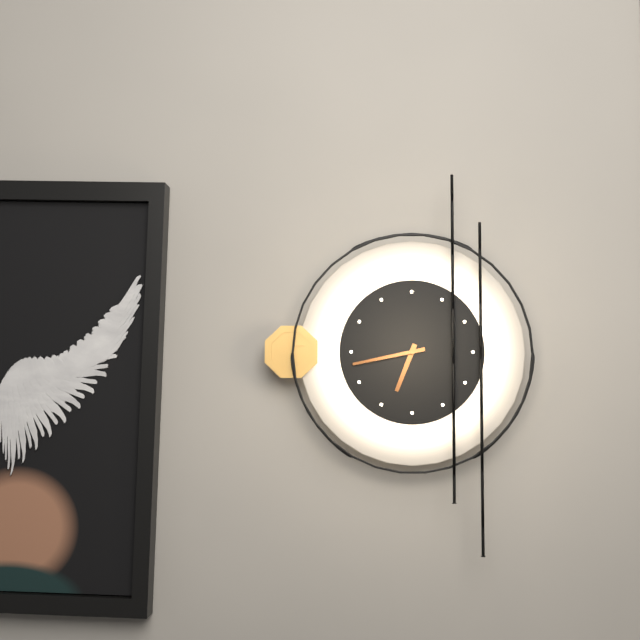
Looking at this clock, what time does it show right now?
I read 6:43
